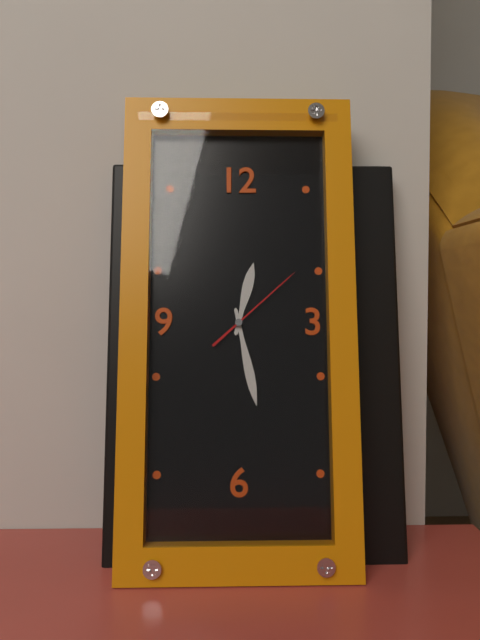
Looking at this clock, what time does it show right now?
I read 12:28:08
